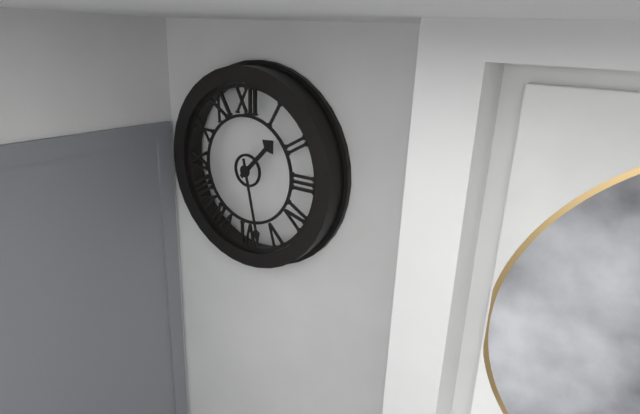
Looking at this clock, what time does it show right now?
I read 1:28
